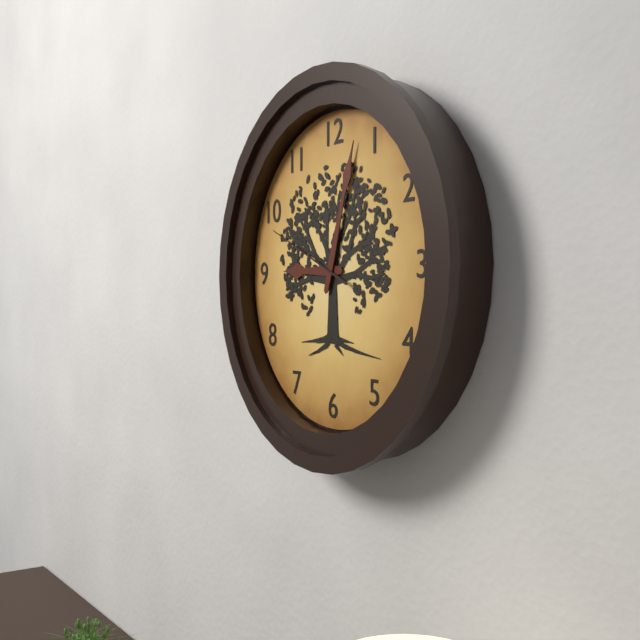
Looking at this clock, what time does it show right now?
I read 9:03:49
